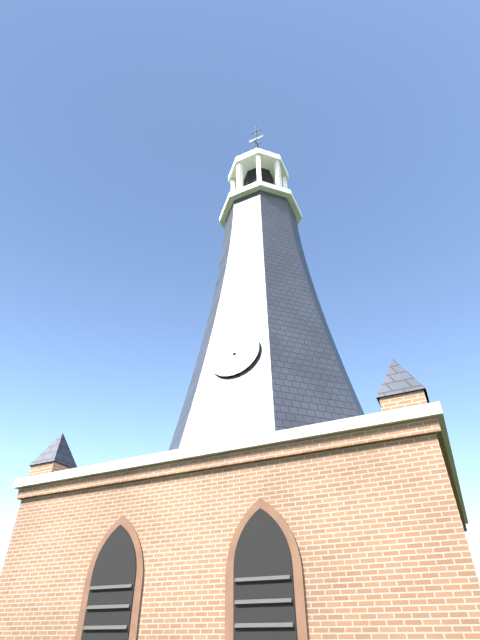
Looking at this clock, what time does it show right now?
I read 5:36
